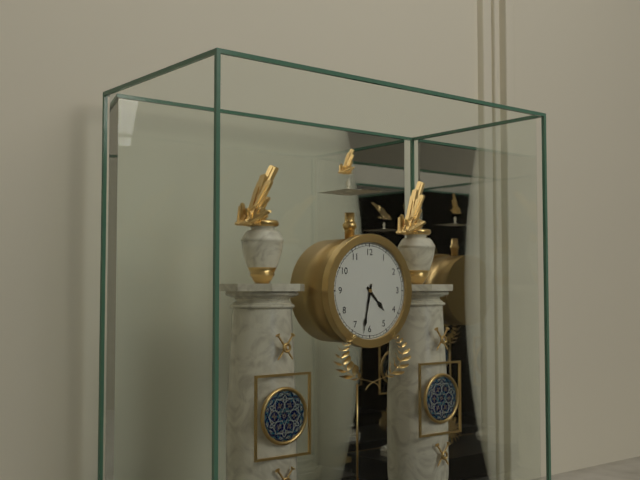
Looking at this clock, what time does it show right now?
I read 4:32
